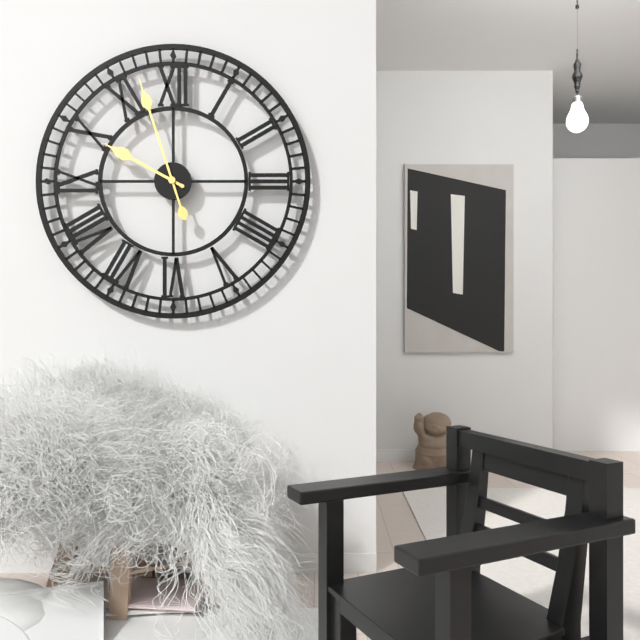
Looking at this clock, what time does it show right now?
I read 9:57
